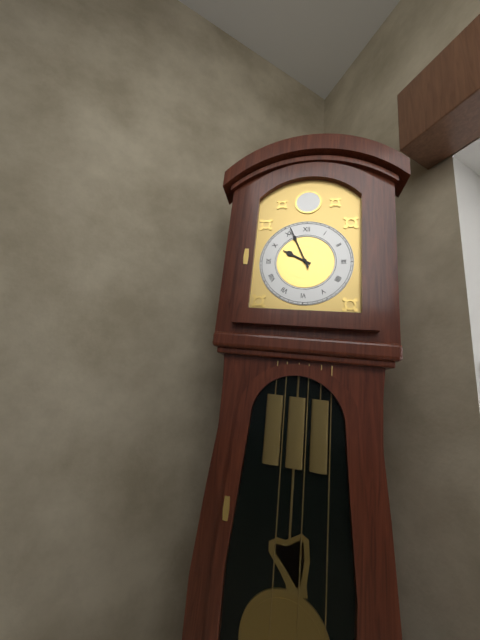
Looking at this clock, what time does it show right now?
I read 9:56
